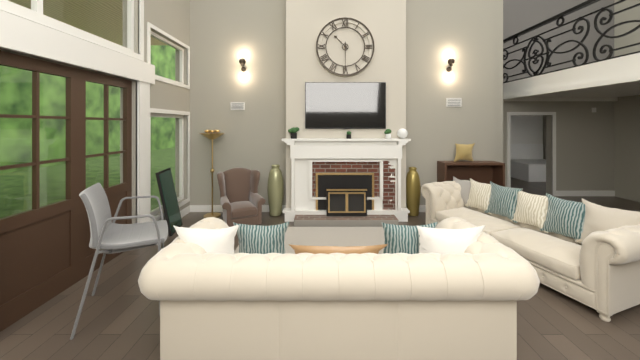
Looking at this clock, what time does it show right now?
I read 10:30
